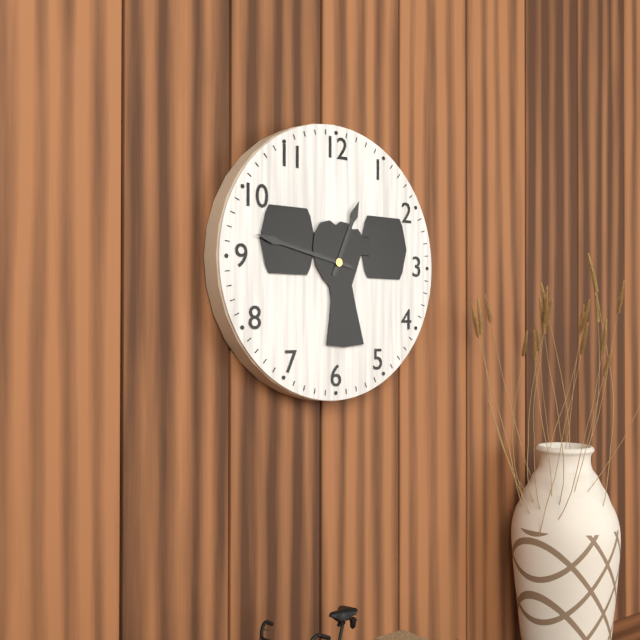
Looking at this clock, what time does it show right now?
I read 12:47
